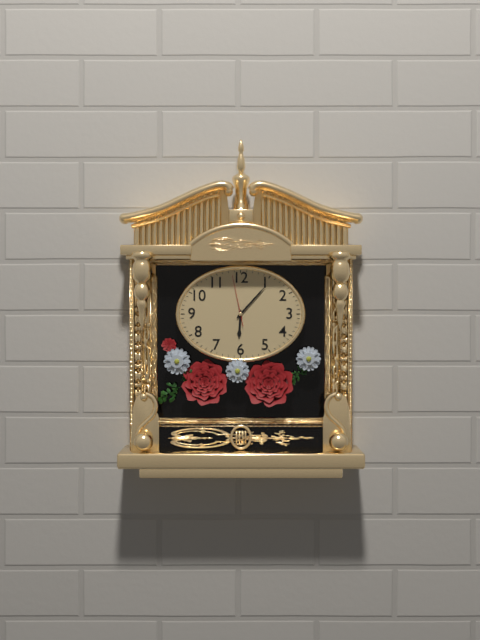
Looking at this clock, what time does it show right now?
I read 6:07
